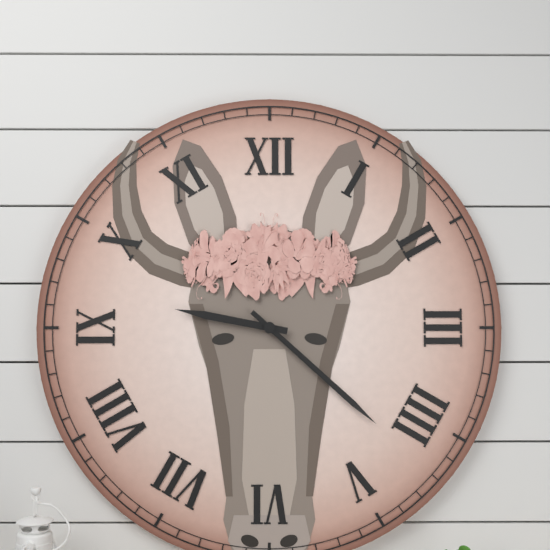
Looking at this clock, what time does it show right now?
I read 9:22
